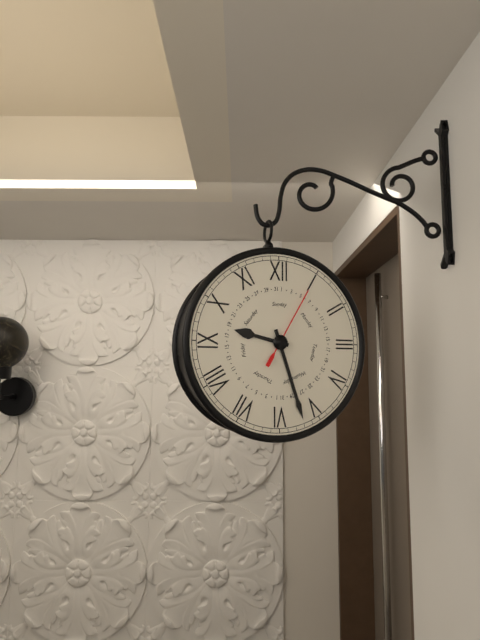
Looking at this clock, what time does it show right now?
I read 9:27:05
